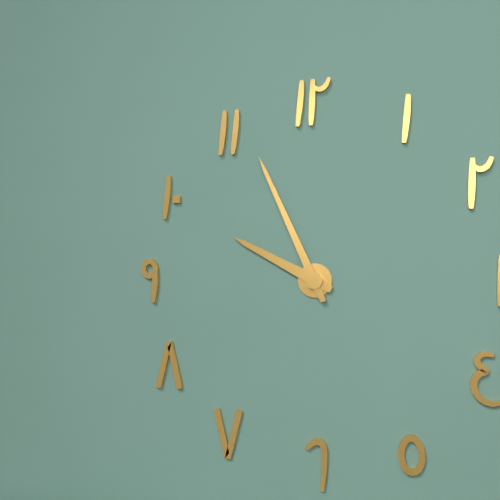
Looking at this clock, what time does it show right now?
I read 9:56
